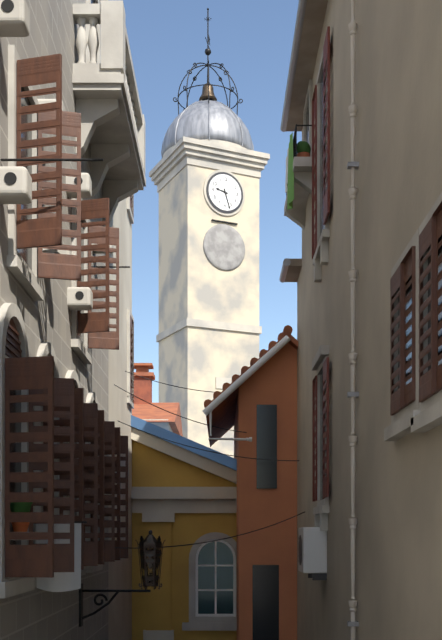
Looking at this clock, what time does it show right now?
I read 9:27
